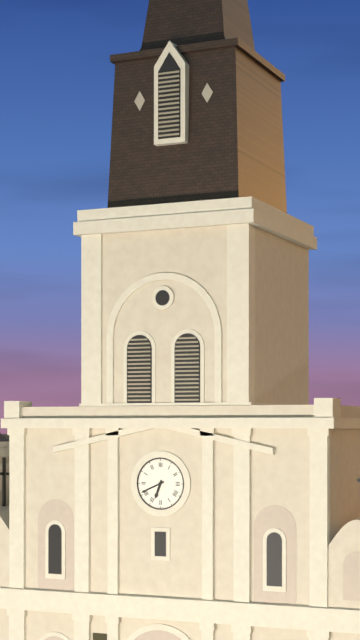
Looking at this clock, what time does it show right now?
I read 6:41
